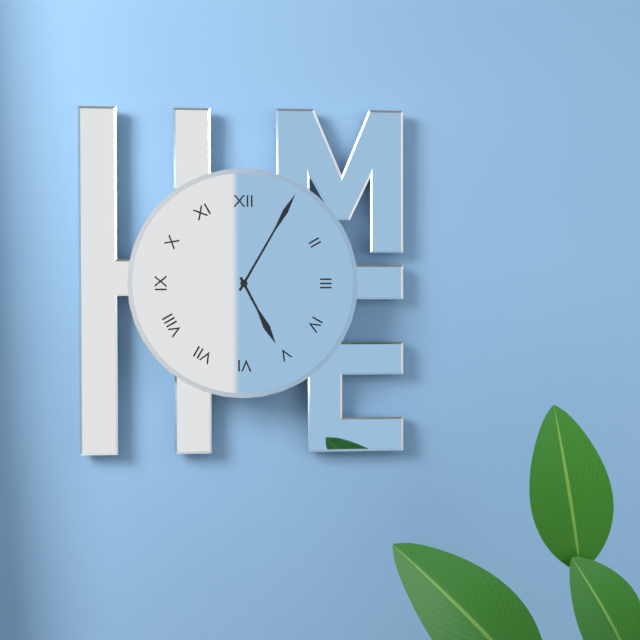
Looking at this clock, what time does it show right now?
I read 5:05
